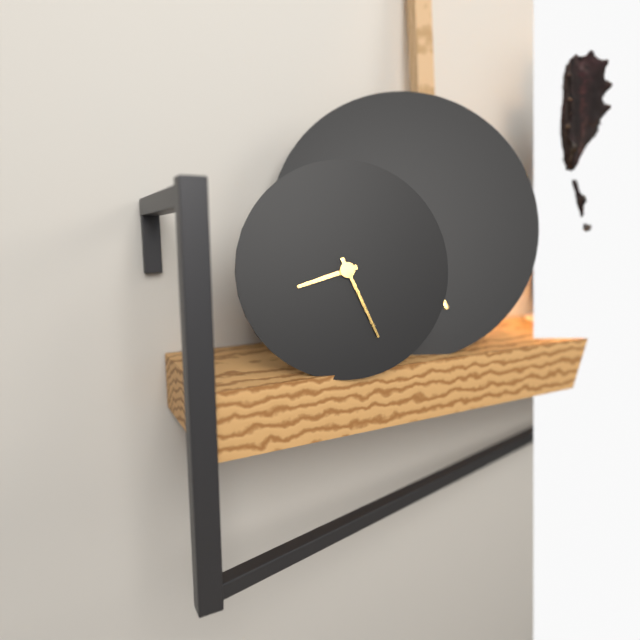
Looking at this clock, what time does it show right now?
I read 8:26
